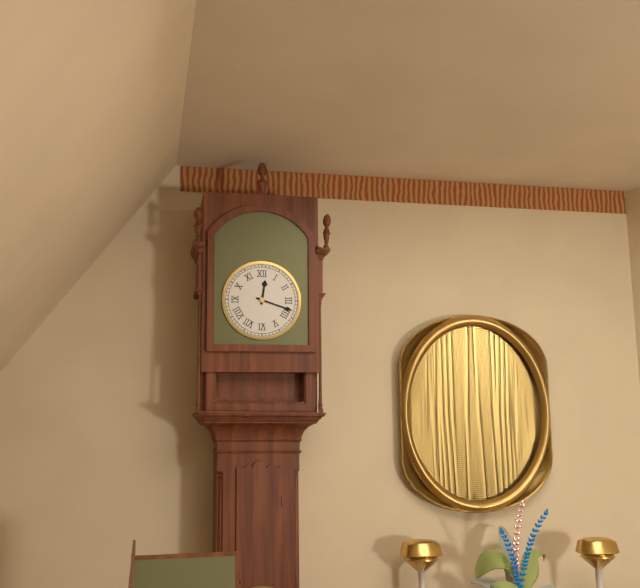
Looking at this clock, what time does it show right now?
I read 12:18
